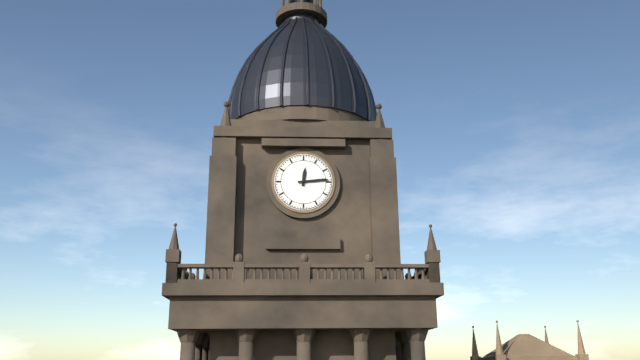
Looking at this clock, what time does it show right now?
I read 12:14
